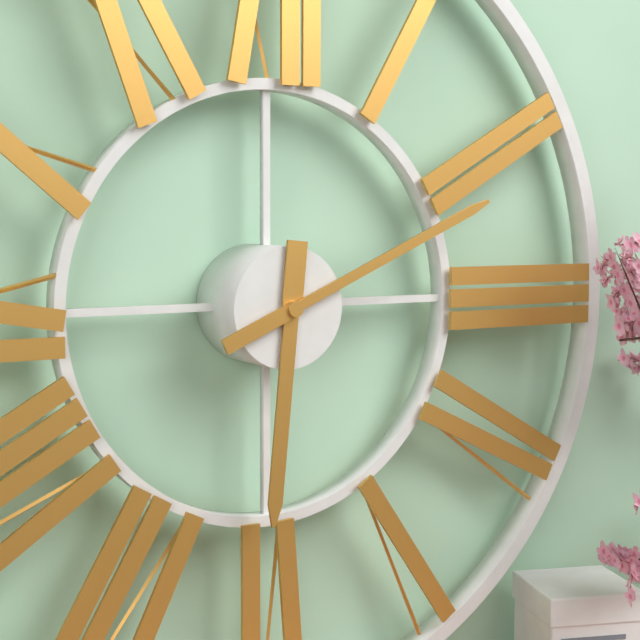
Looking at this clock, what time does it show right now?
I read 6:11
